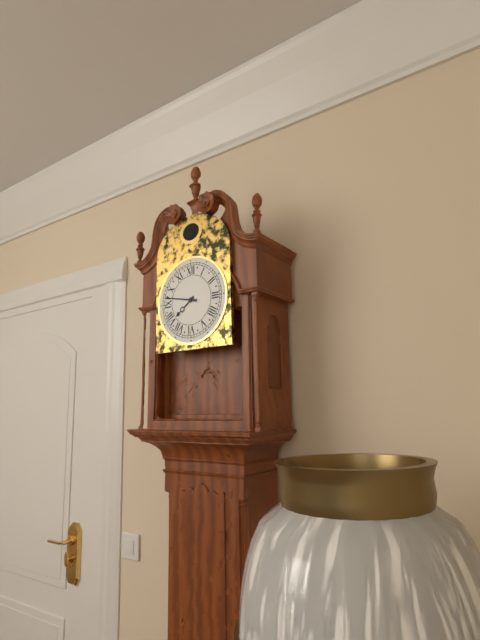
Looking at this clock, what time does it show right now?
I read 7:47
